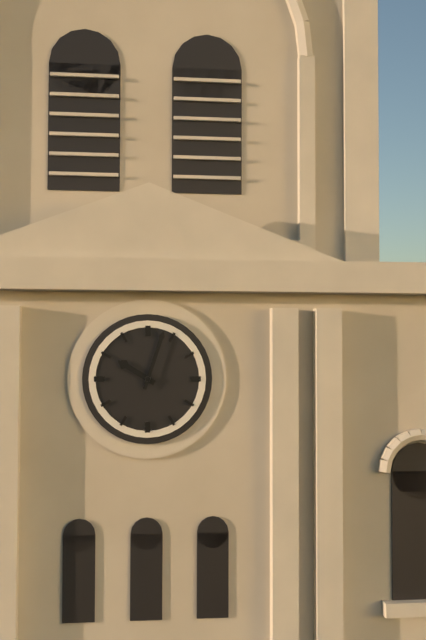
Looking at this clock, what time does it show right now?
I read 10:03
